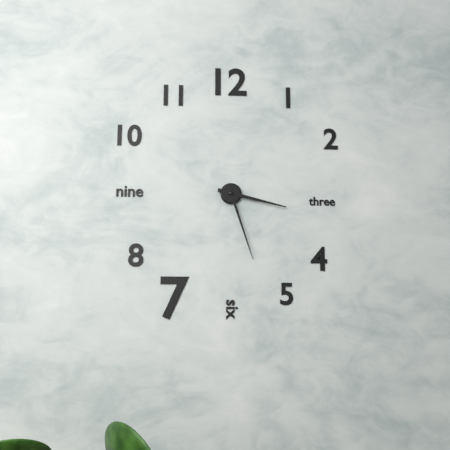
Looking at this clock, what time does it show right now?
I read 3:27
